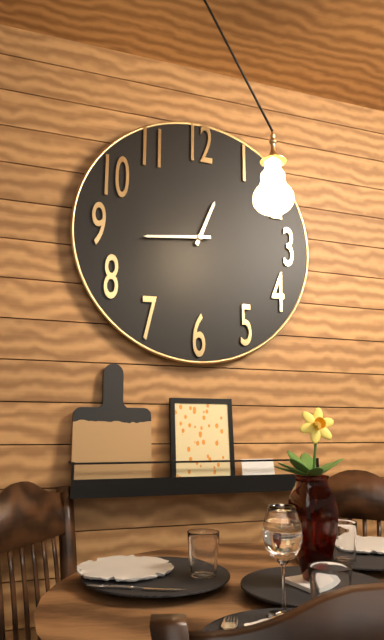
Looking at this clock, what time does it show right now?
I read 12:44
